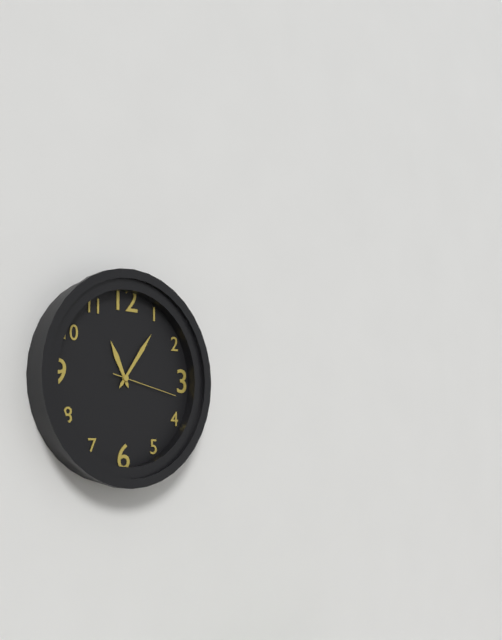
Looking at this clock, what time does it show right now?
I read 11:06:17
